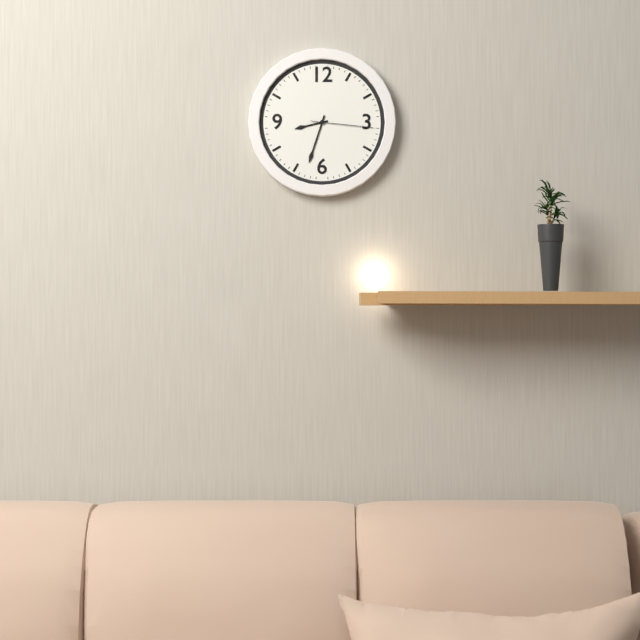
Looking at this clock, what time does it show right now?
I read 8:33:16
